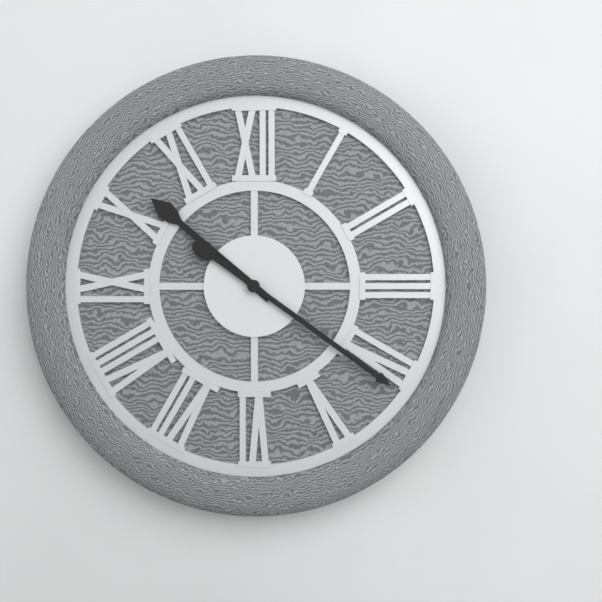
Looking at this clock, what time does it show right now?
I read 10:21
